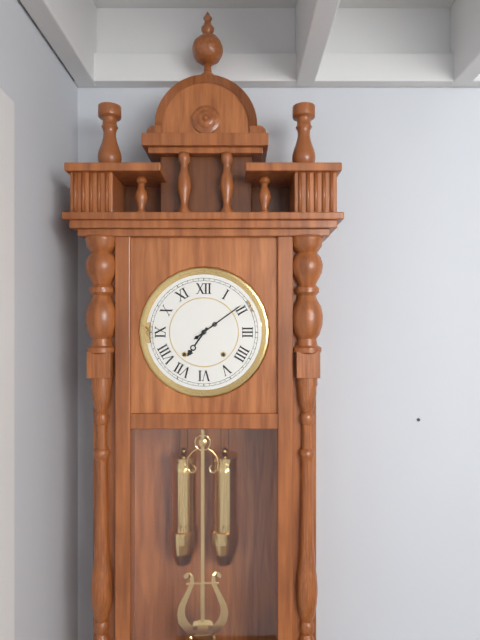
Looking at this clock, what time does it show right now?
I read 7:09
